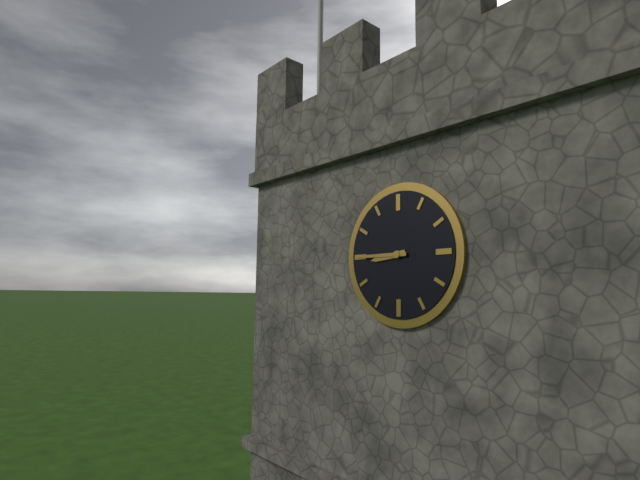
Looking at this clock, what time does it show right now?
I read 8:45
